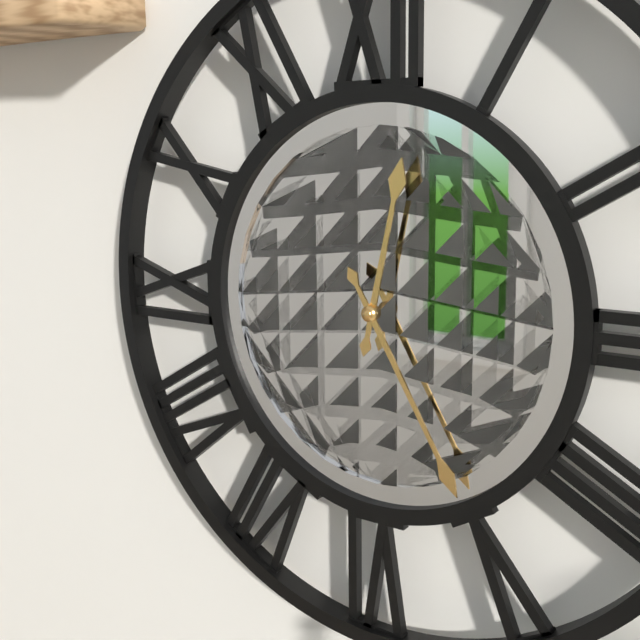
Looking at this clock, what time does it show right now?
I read 12:25
